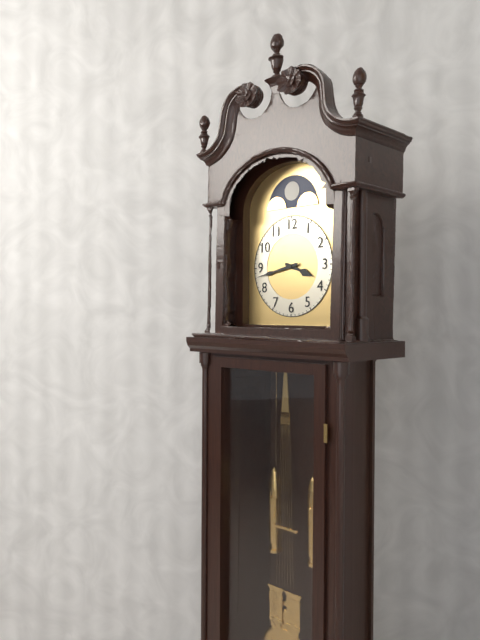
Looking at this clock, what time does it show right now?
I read 3:43
